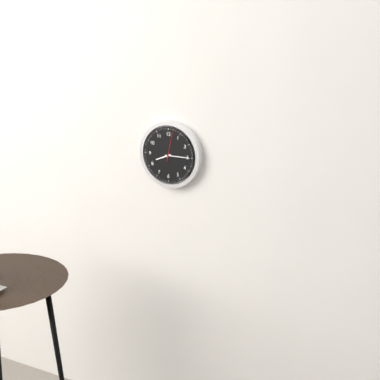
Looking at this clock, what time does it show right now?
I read 8:15
